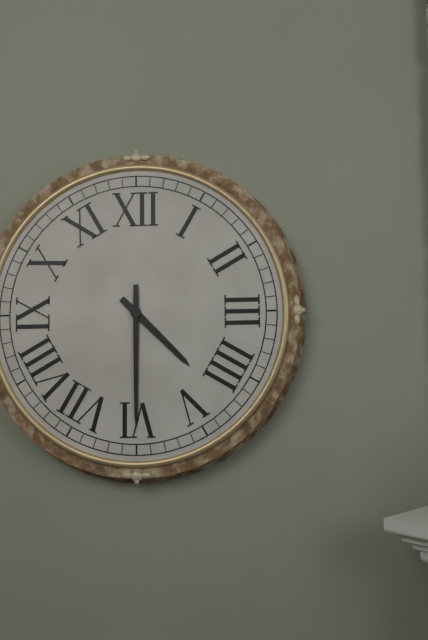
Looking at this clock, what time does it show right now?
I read 4:30
